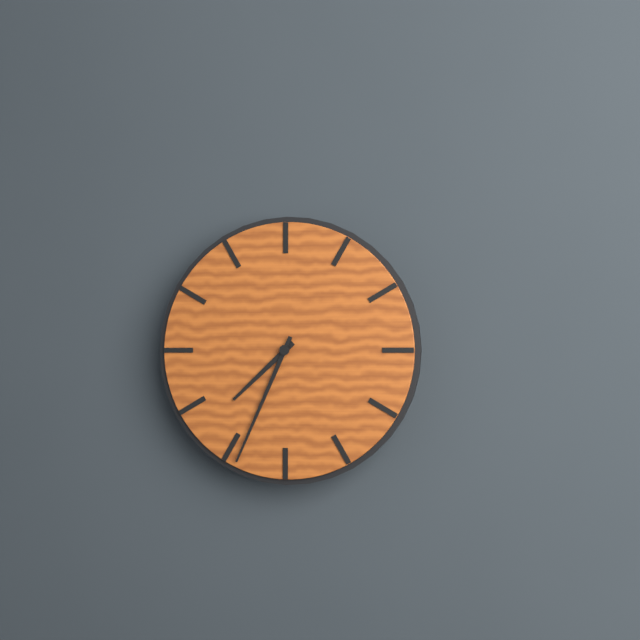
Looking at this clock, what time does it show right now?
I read 7:34
